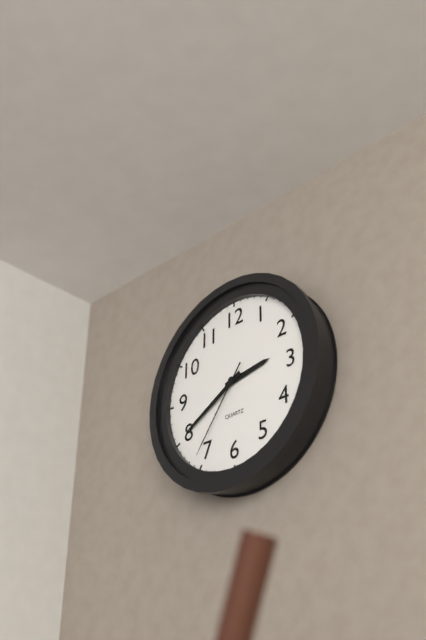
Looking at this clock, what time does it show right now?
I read 2:40:36
